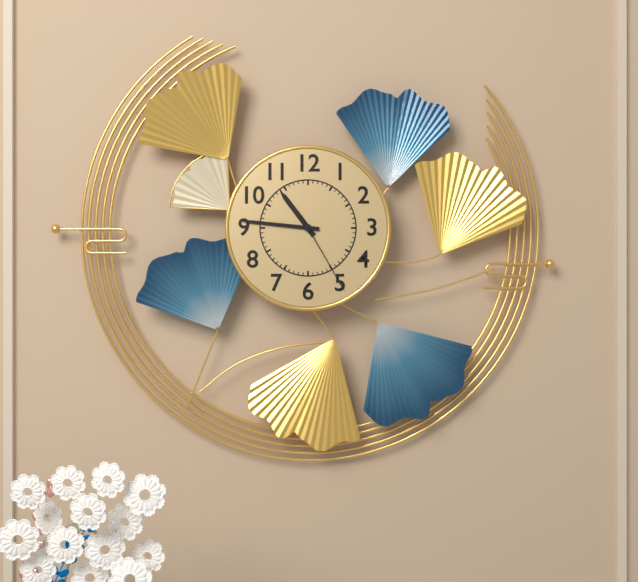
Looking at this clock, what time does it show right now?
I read 10:46:25
